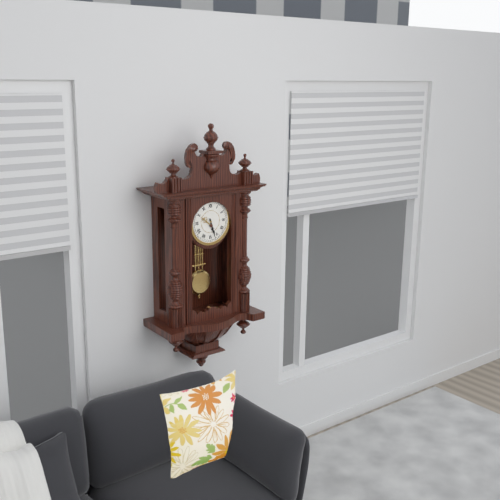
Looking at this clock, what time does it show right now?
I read 5:27
